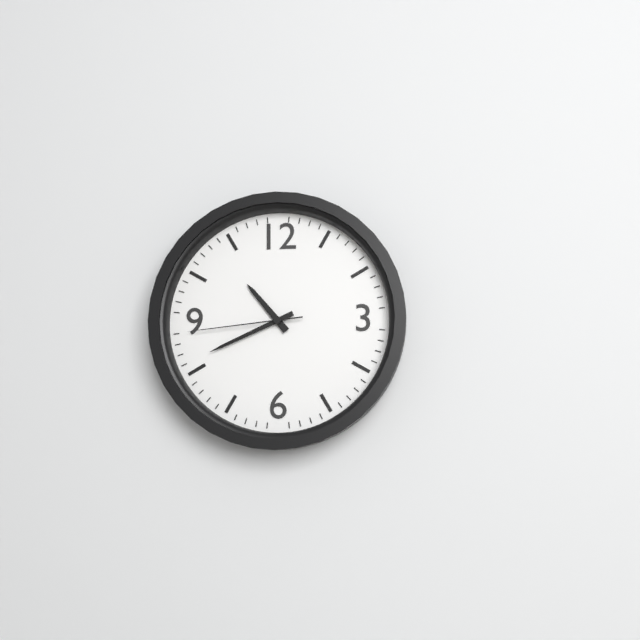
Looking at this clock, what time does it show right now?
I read 10:41:44
